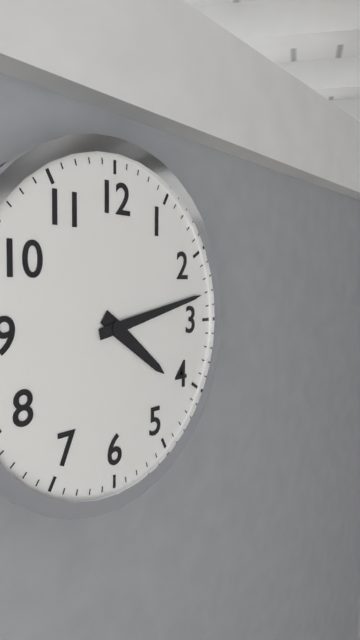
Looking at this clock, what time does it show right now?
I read 4:13
